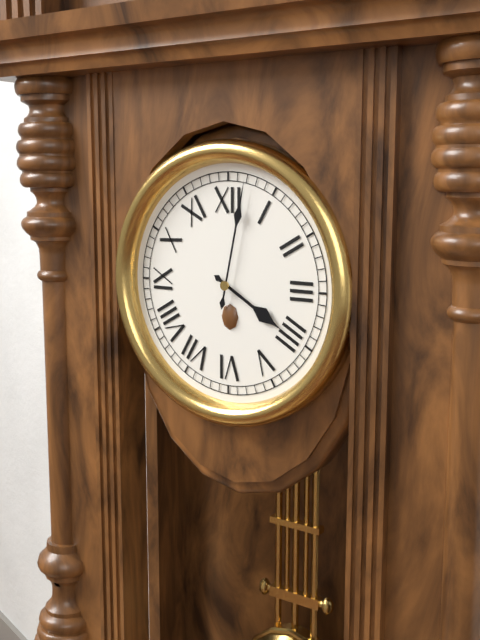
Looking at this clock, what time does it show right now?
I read 4:02
